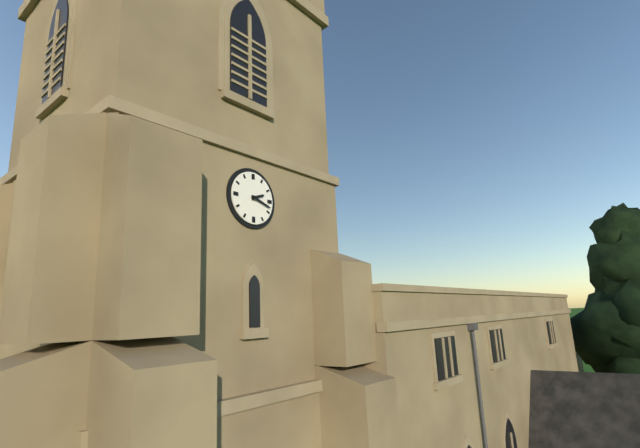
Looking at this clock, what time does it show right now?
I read 2:18
